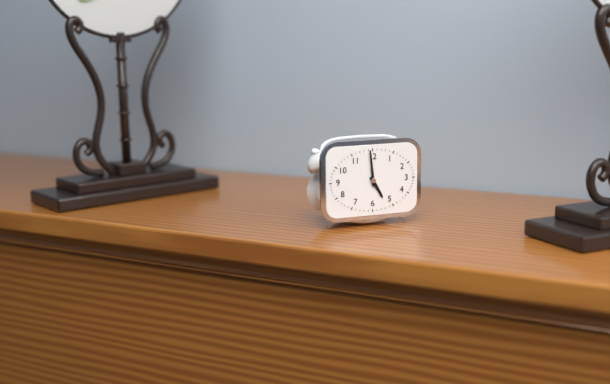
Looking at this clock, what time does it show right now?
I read 4:59
